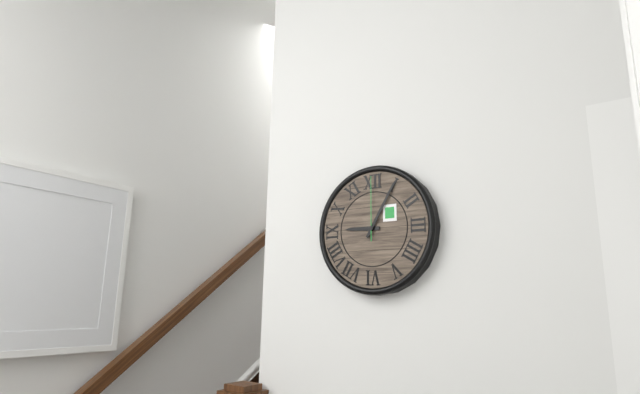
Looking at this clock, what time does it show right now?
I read 9:05:00
